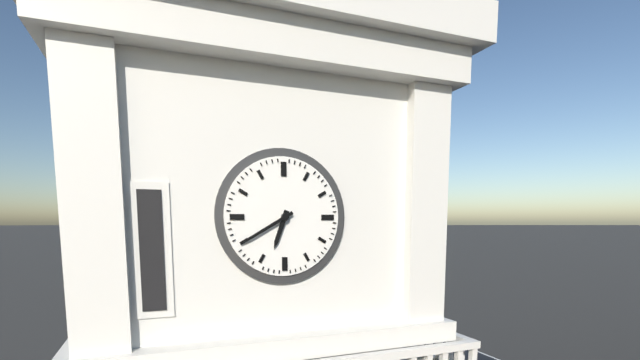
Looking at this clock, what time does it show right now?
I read 6:40
